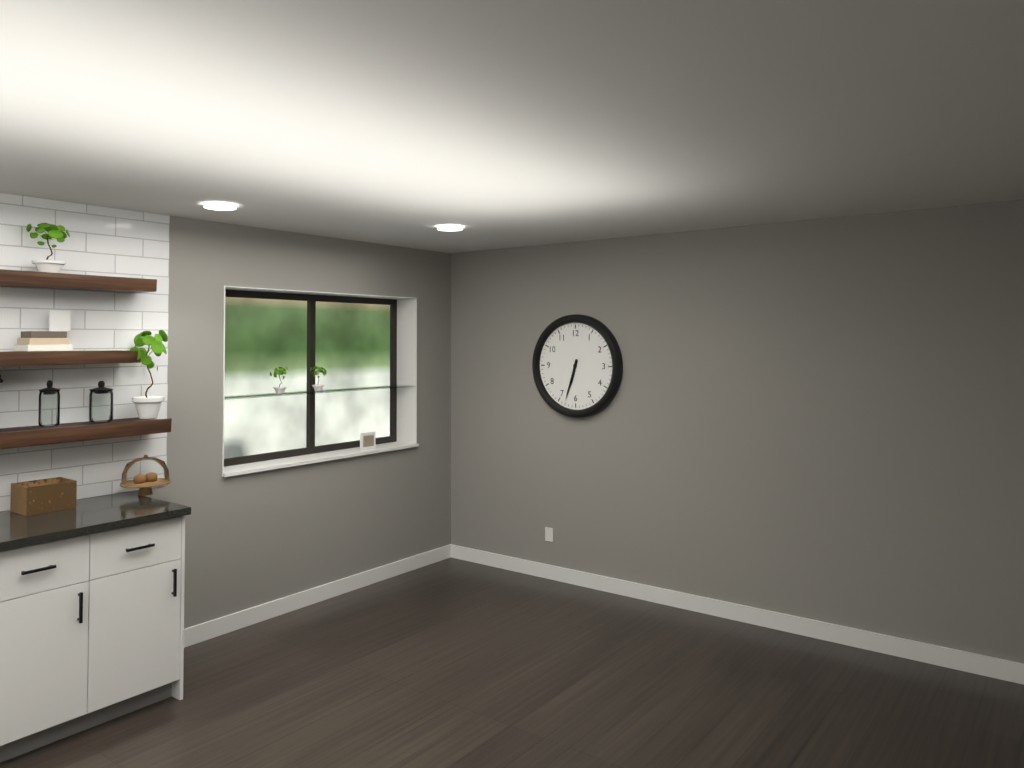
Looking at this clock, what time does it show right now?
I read 6:33
